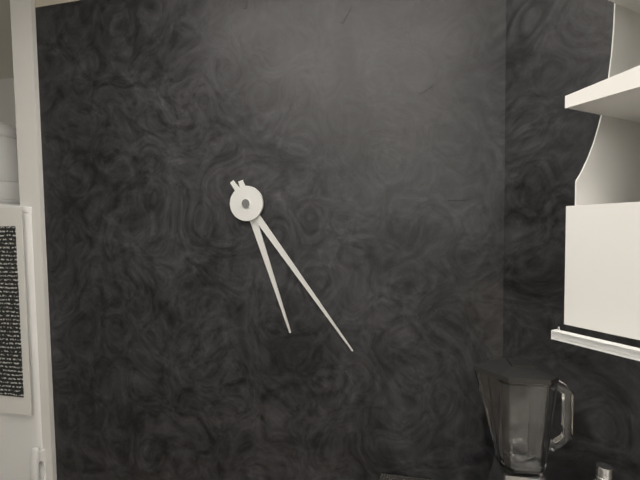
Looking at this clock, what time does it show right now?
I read 5:24
